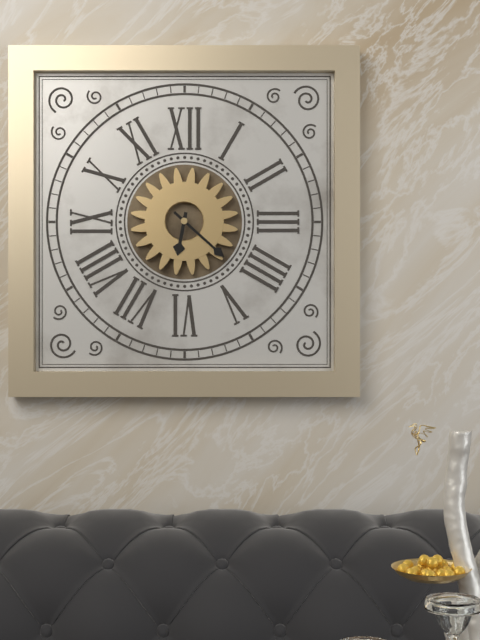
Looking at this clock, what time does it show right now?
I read 6:22
